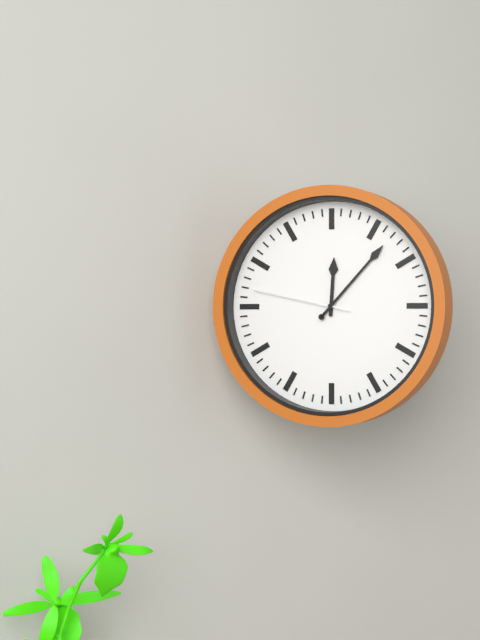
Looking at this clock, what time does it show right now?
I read 12:07:47
